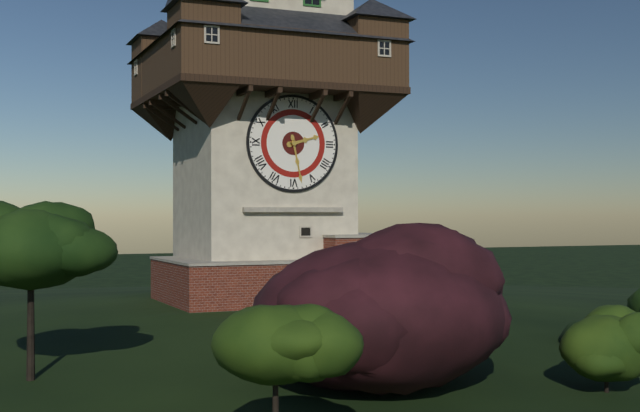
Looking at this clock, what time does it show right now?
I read 2:28
